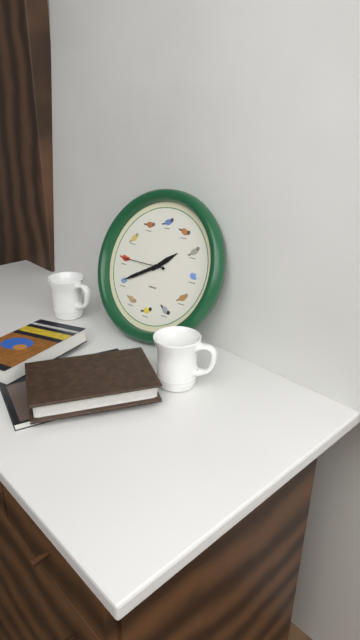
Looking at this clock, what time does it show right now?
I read 1:40
